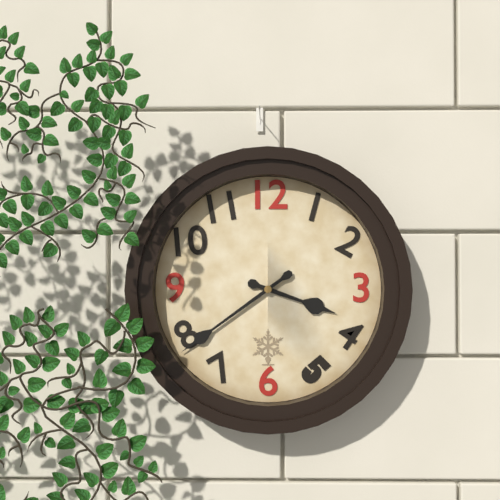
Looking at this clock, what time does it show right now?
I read 3:39
